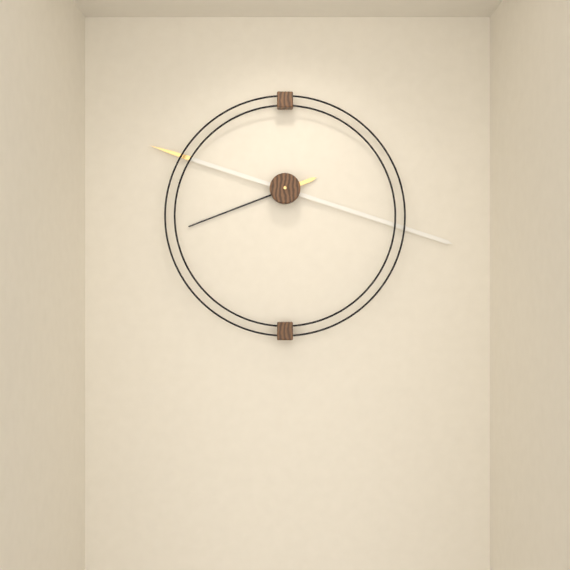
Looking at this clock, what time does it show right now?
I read 8:18
